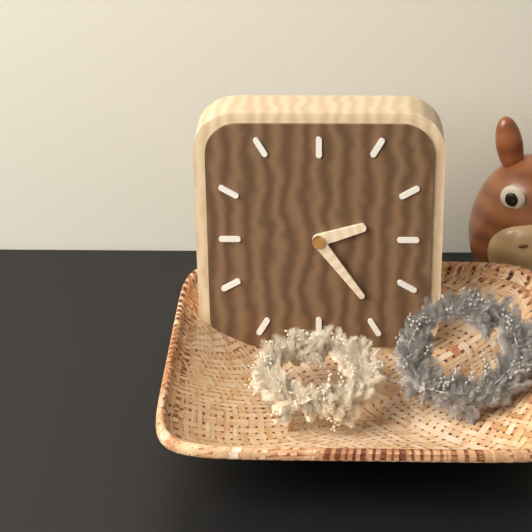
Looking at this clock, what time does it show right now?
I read 2:24
